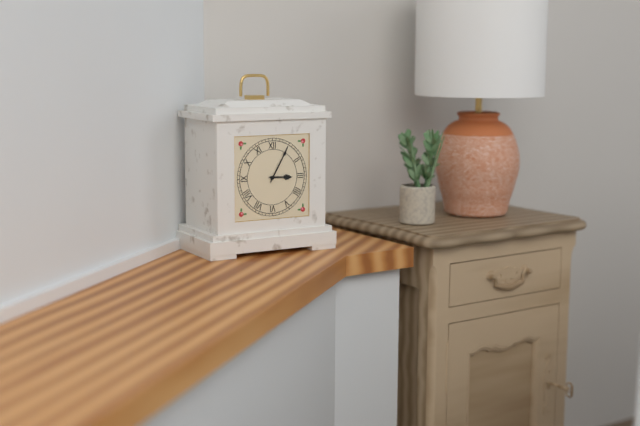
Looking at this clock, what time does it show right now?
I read 3:05
